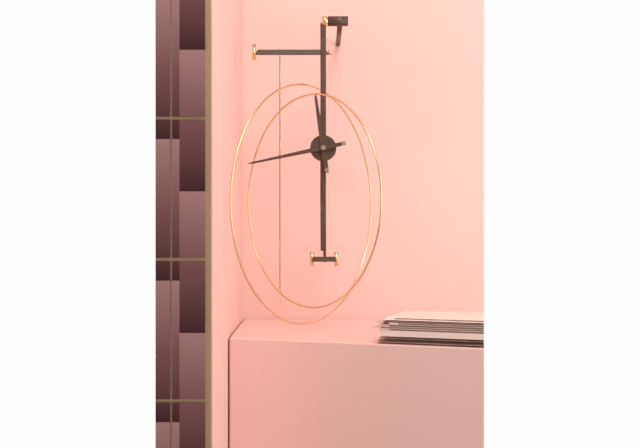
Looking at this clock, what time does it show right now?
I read 11:43
